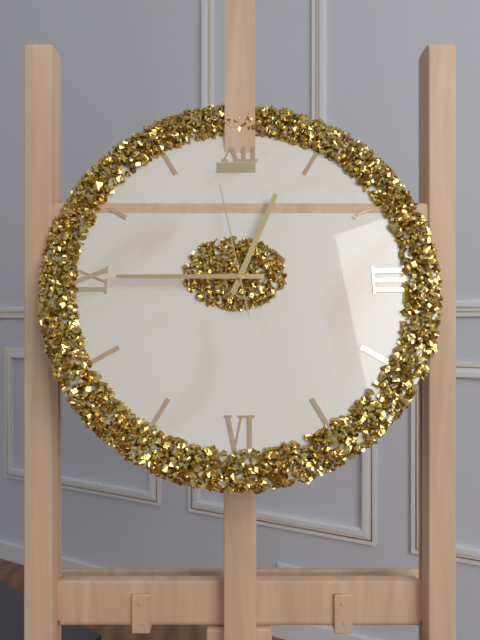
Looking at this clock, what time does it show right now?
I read 12:45:58
